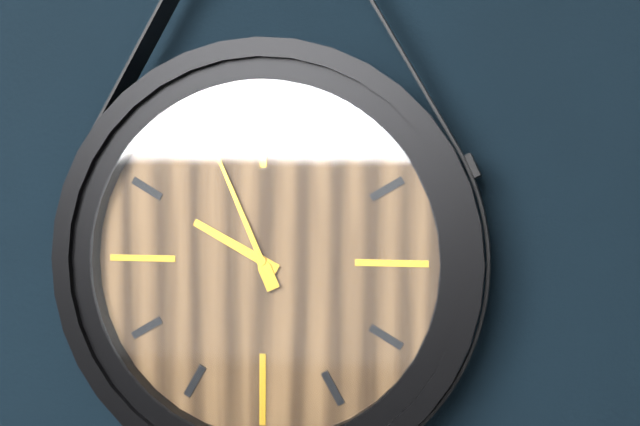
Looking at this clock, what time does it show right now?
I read 9:56
